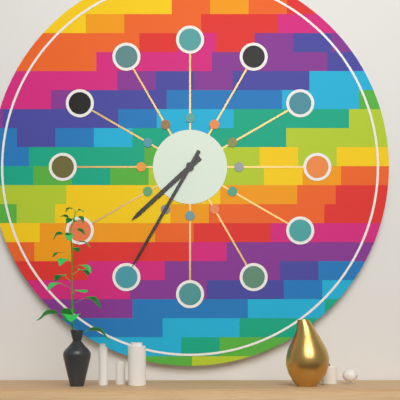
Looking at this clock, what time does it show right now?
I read 7:35
